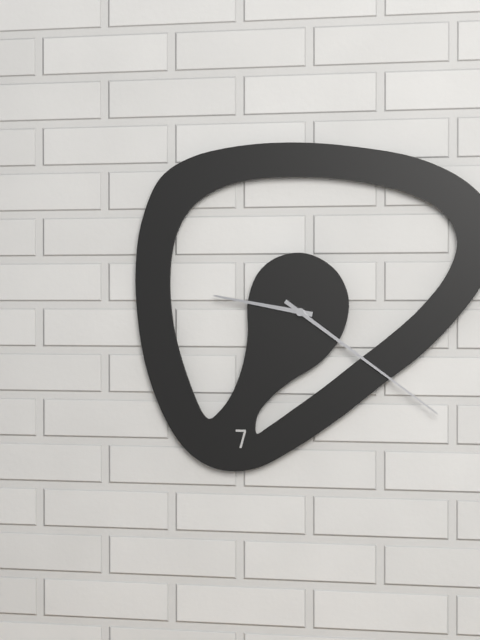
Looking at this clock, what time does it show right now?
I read 9:21
